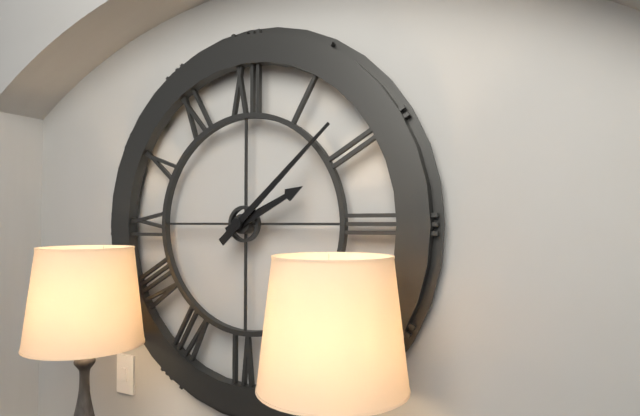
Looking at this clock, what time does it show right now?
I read 2:08
